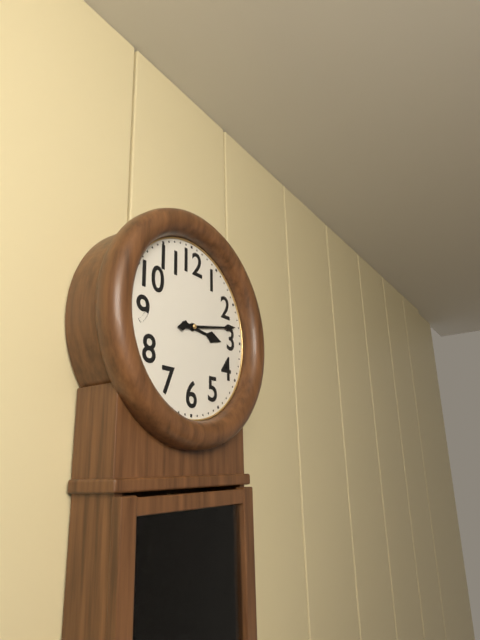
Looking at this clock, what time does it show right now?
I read 3:13
